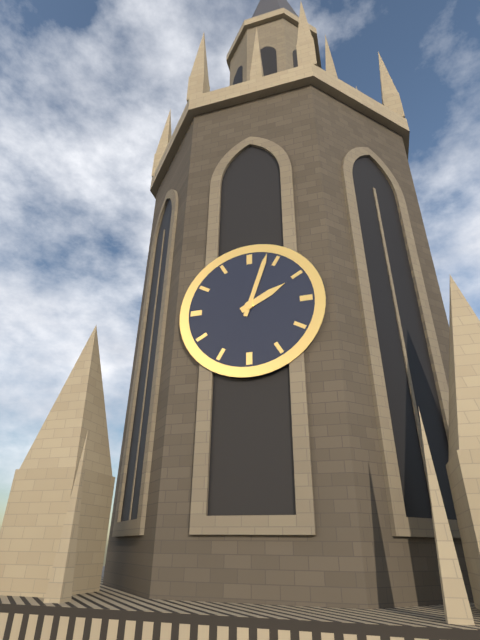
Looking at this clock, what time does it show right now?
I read 2:03
